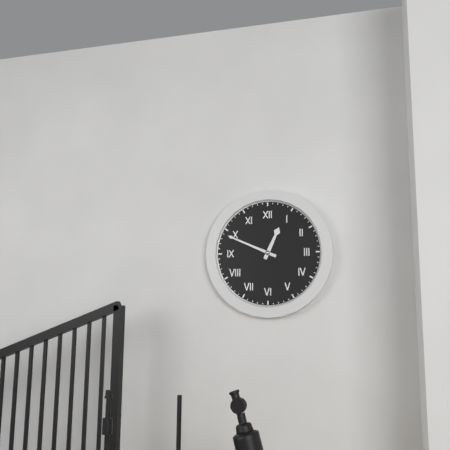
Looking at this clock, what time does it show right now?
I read 12:49
